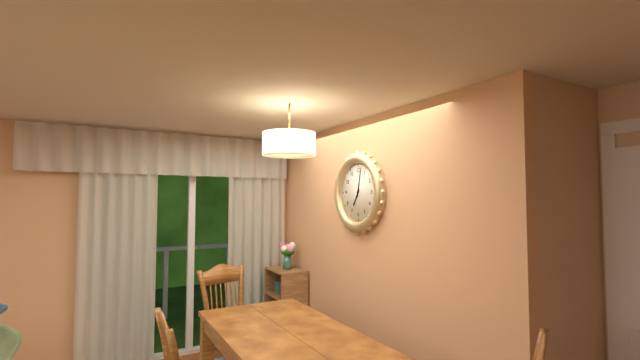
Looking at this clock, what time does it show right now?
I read 7:02
